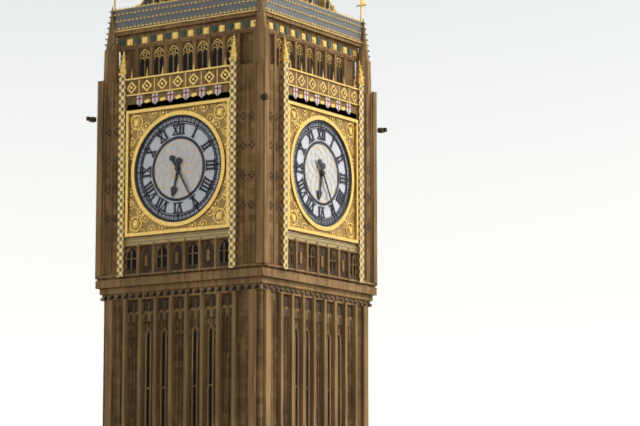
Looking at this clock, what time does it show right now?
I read 6:25
